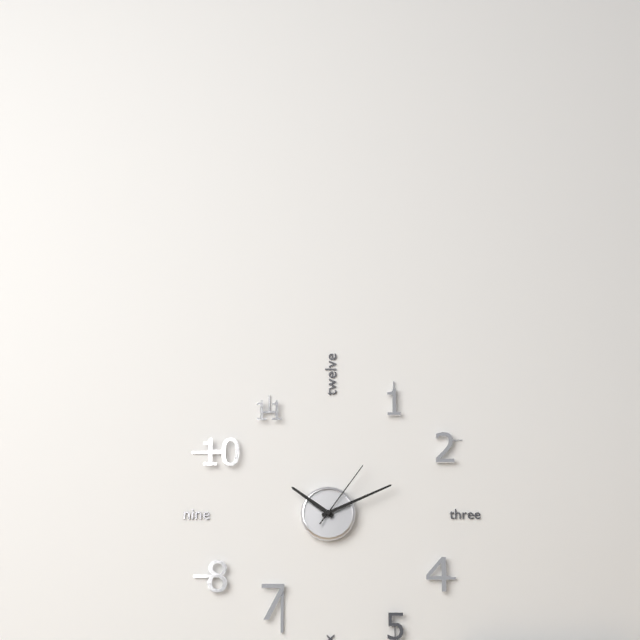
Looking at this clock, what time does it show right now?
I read 10:11:06
